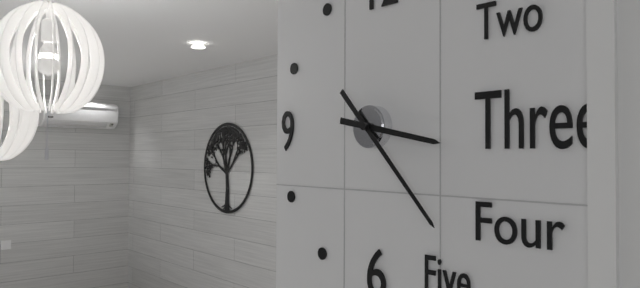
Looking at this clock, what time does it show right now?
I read 3:23
